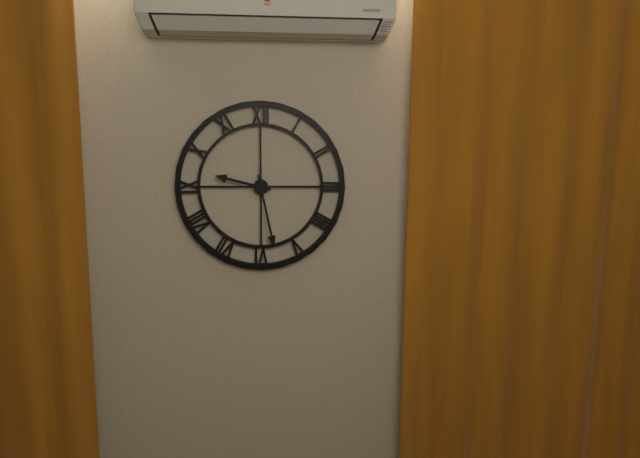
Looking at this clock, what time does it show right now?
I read 9:28
